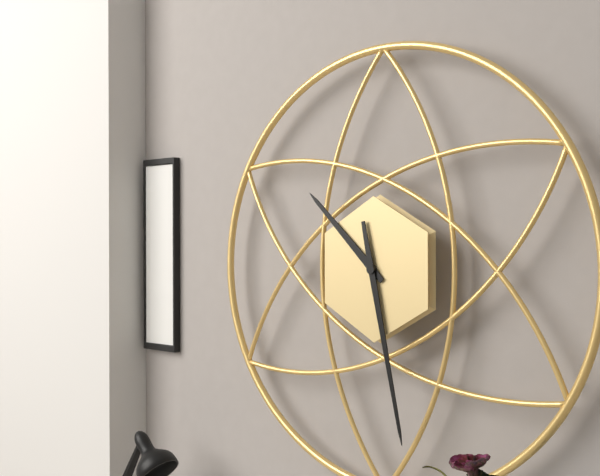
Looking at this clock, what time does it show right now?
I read 10:28
